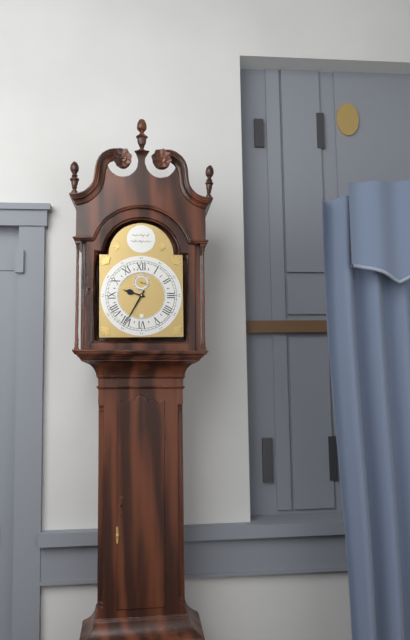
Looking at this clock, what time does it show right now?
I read 9:35
